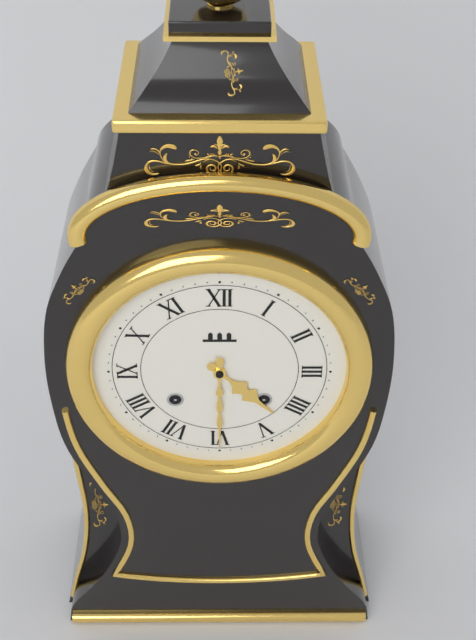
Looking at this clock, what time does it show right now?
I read 4:30
